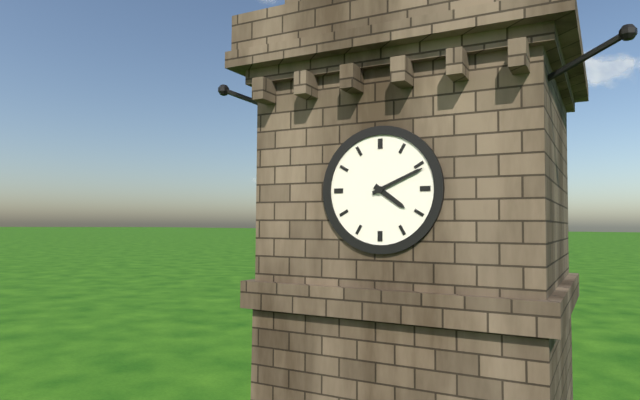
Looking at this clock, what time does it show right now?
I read 4:11
